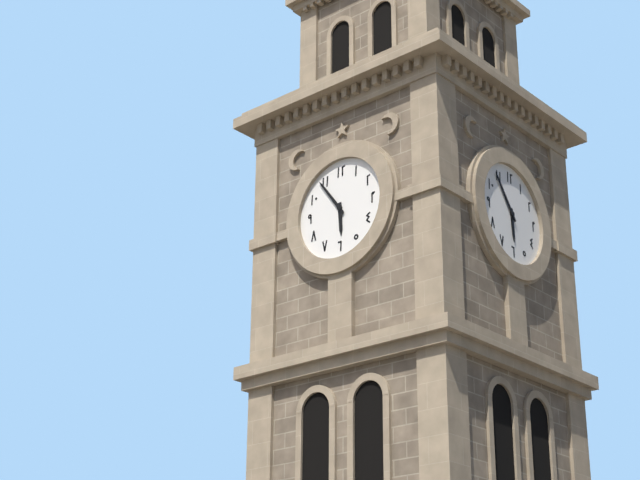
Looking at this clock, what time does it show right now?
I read 5:54
